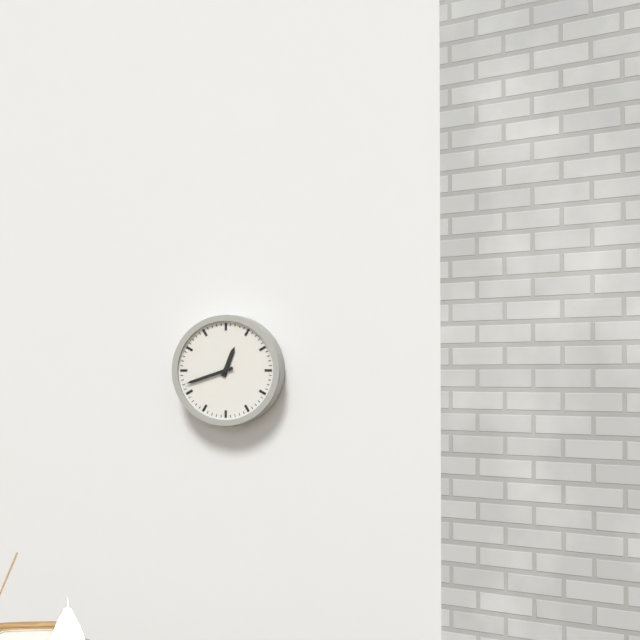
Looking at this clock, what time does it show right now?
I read 12:42
